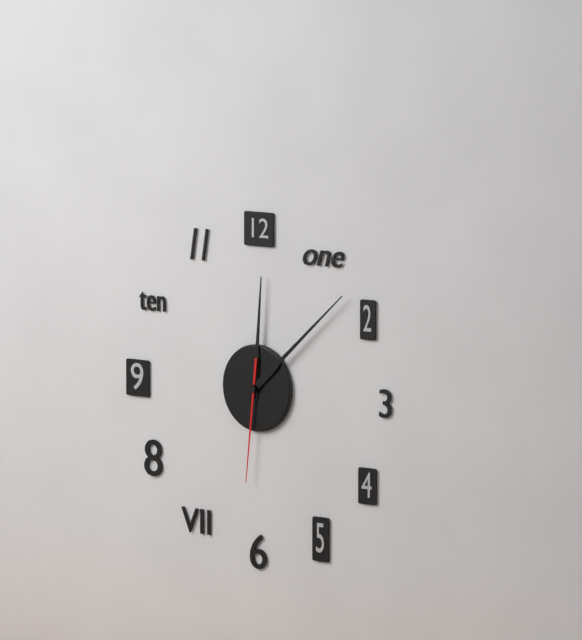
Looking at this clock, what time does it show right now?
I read 12:08:31
